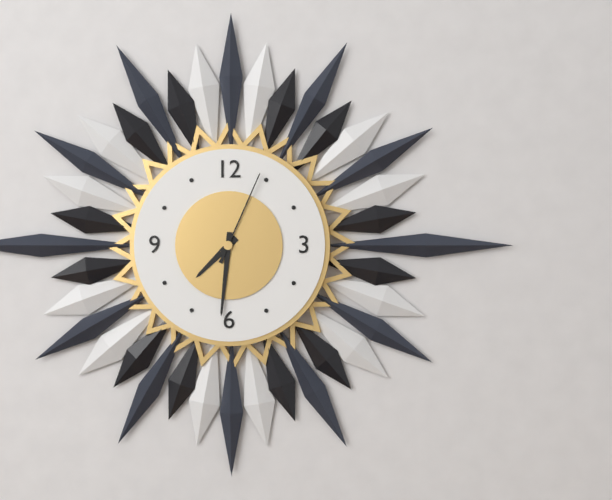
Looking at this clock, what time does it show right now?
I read 7:31:04
